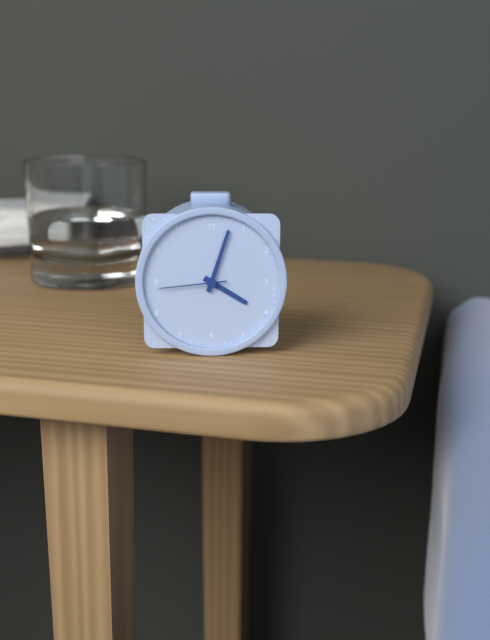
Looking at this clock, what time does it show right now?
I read 4:03:44
